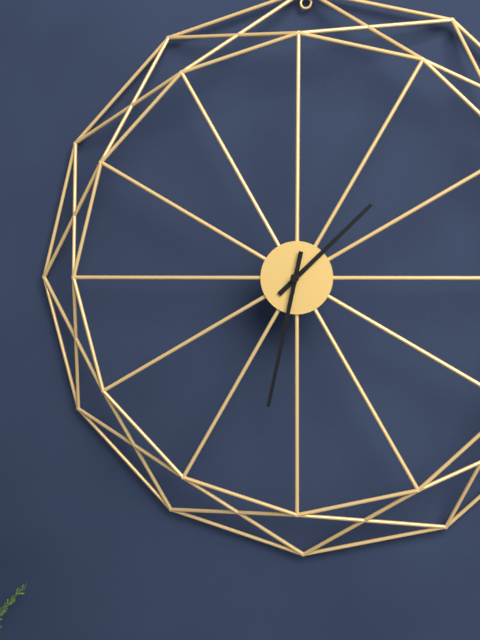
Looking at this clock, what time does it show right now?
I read 1:32
